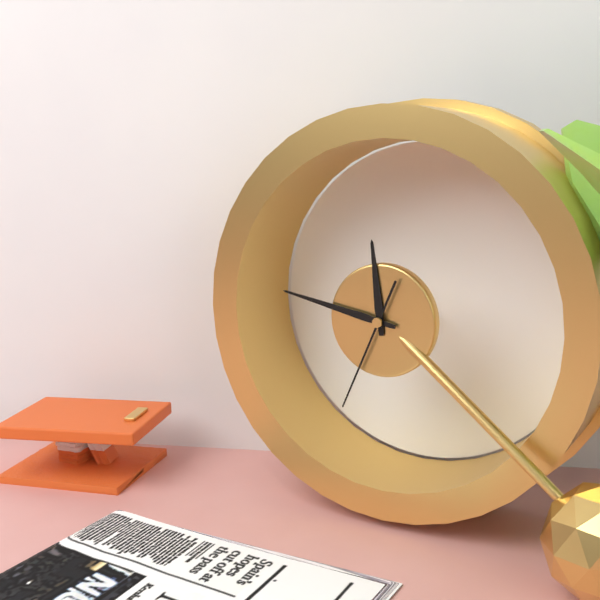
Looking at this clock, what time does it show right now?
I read 11:47:34
